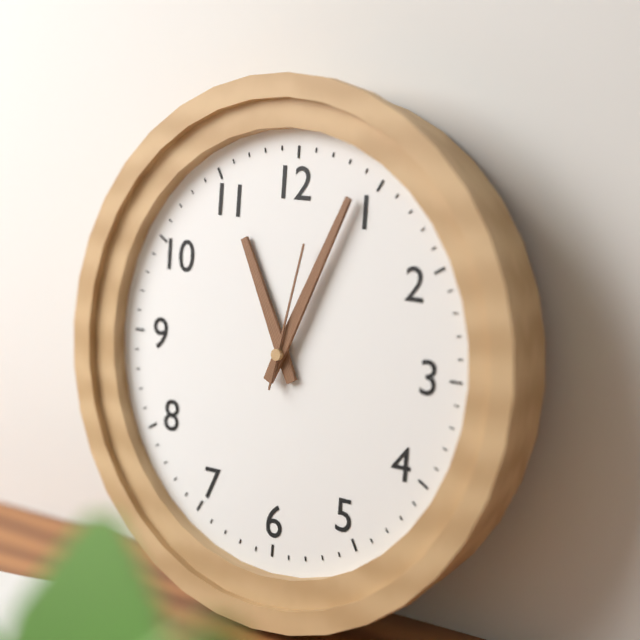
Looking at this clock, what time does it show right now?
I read 11:04:02
